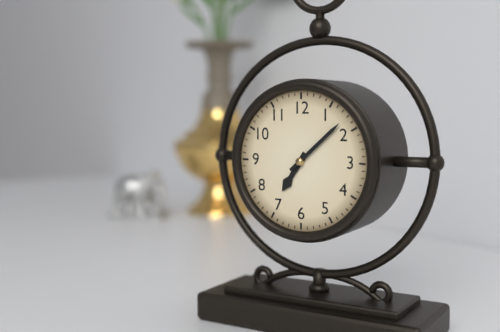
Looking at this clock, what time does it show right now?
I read 7:08
